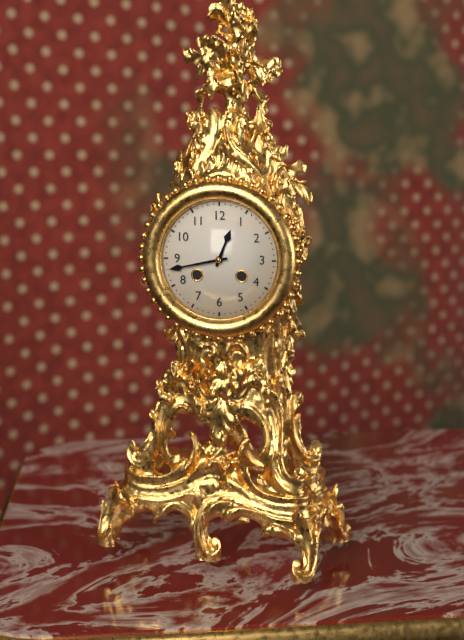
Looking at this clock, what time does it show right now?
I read 12:43
